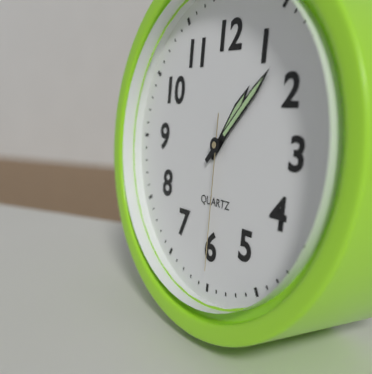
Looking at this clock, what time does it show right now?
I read 1:07:30
